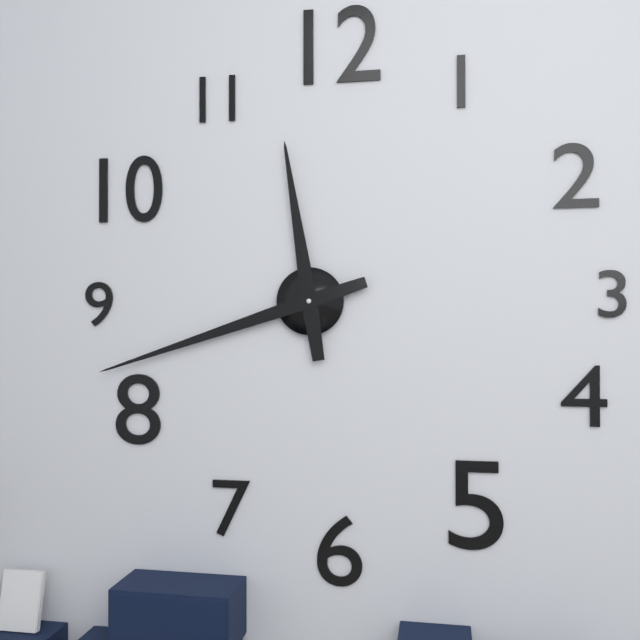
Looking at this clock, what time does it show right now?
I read 11:42
